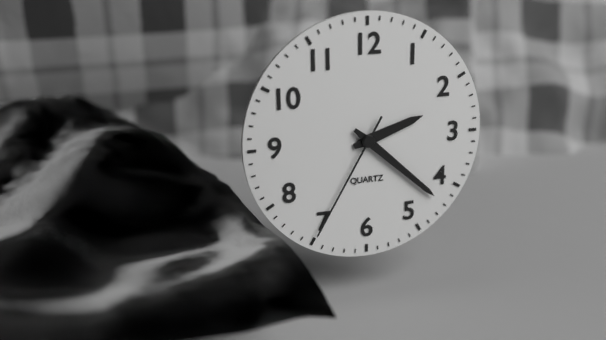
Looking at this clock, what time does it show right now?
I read 2:22:35
